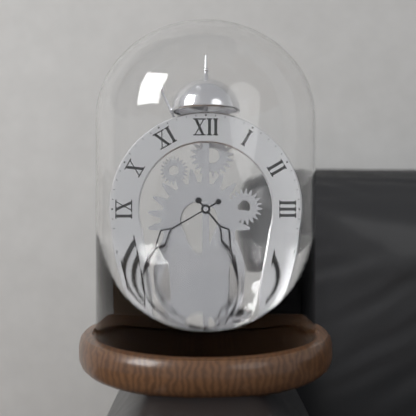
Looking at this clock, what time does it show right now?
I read 4:40
